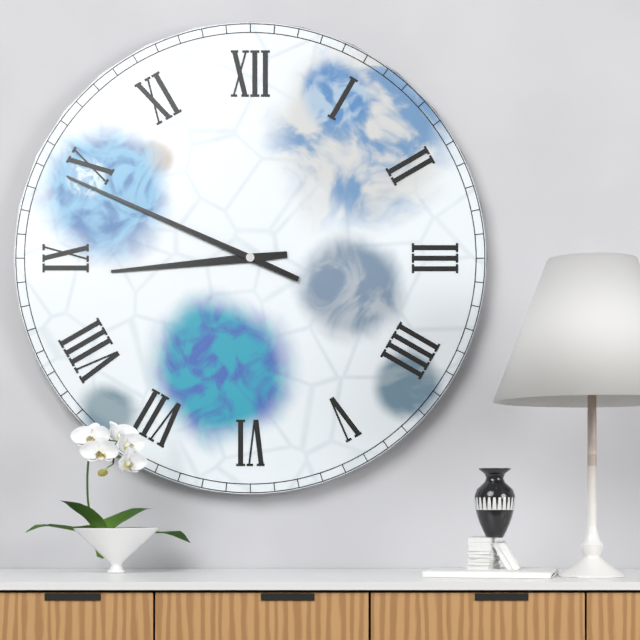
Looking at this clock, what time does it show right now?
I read 8:49
